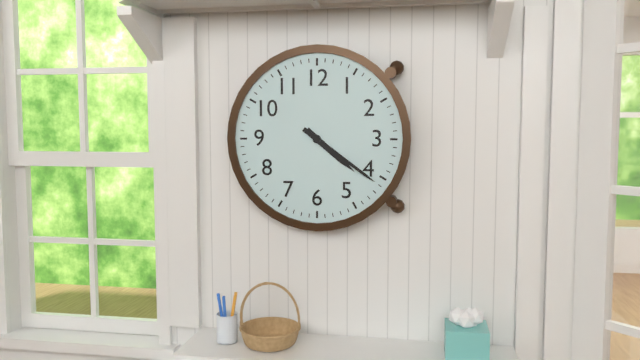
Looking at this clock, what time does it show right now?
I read 4:21
